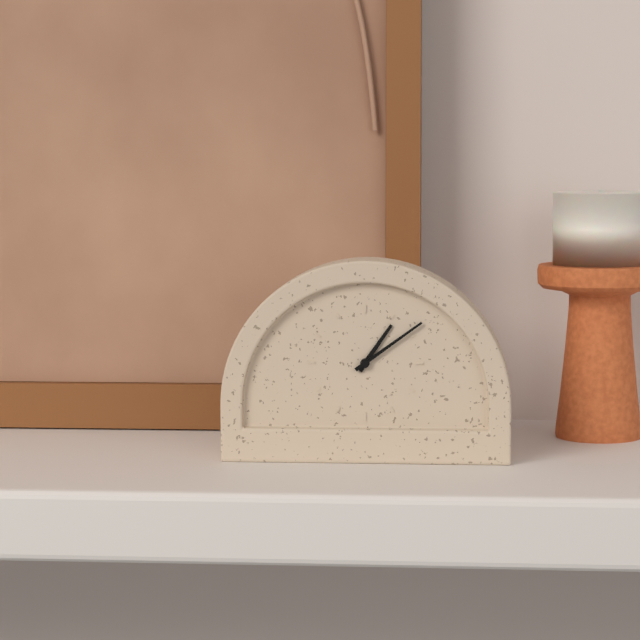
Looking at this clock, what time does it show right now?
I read 1:09
